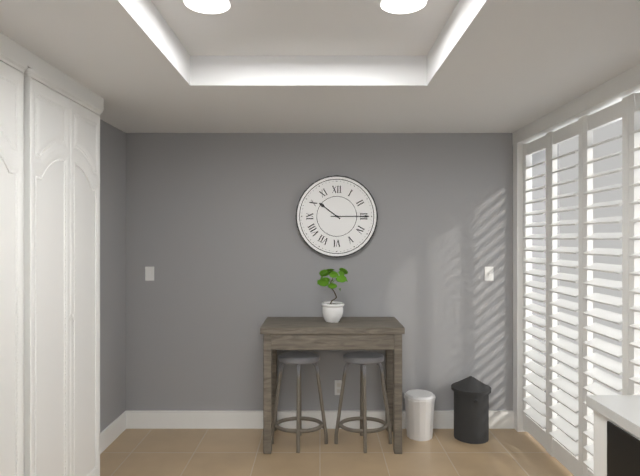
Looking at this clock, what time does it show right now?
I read 10:15
